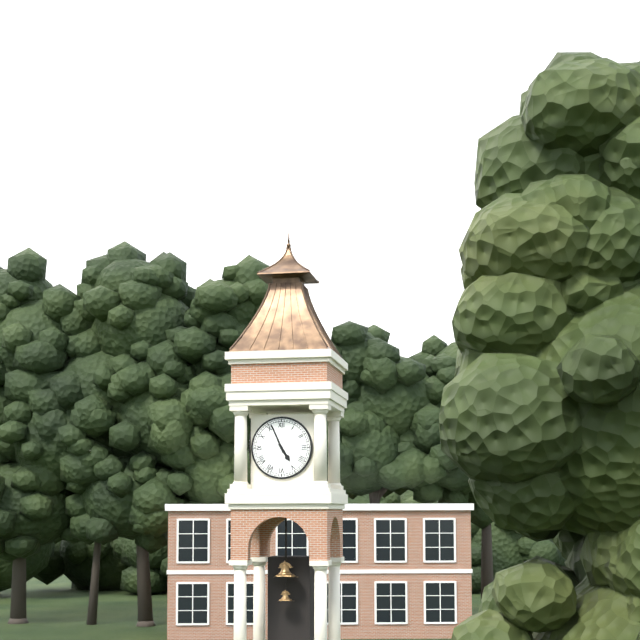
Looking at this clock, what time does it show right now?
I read 4:56
